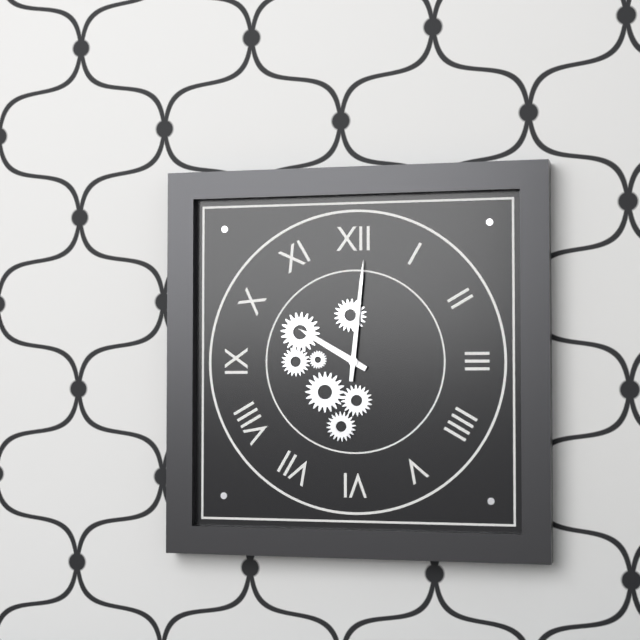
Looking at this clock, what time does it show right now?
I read 10:01
